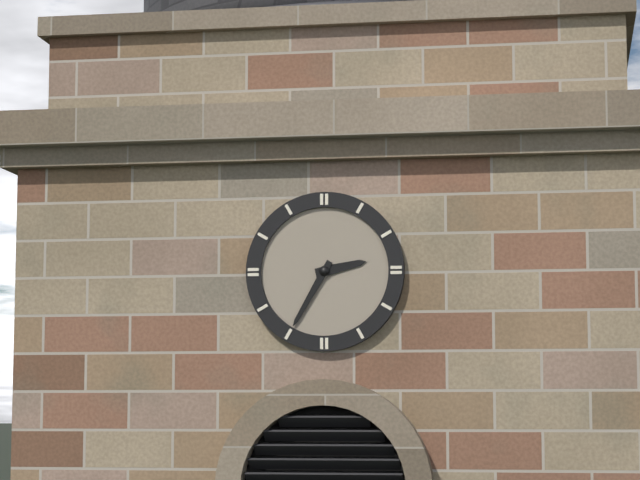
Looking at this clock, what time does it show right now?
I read 2:35
